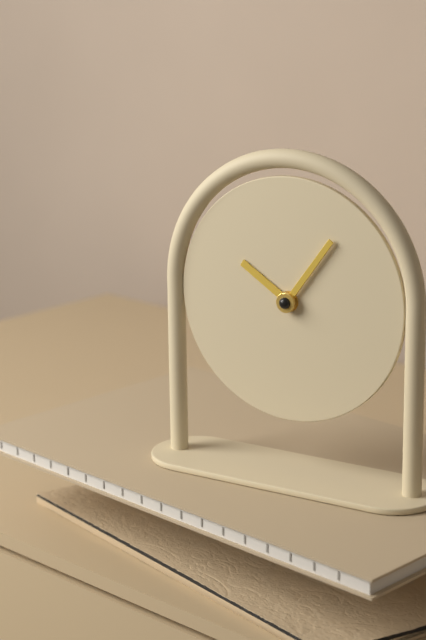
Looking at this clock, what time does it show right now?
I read 10:06
